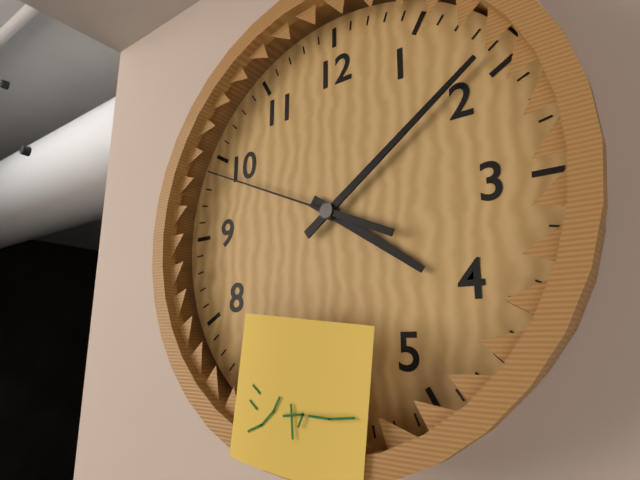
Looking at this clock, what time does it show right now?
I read 4:09:49
